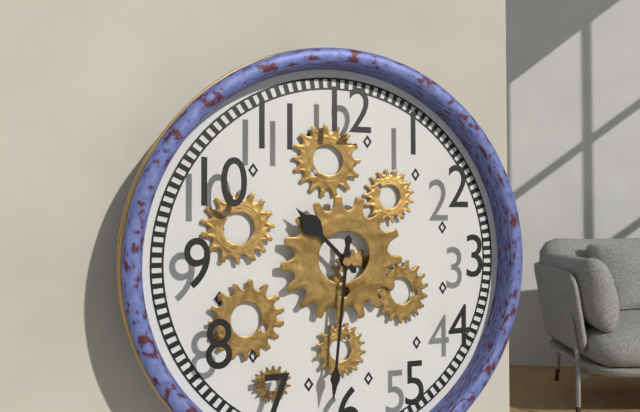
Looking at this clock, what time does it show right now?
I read 10:31
